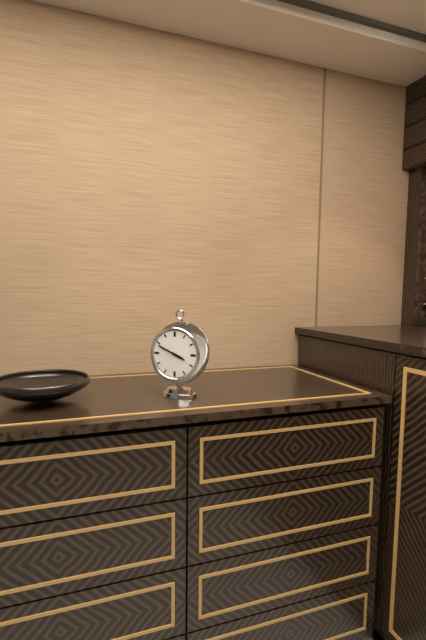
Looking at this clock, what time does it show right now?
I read 3:49
